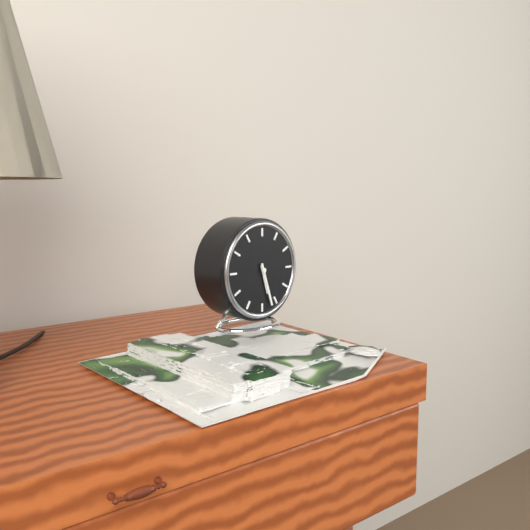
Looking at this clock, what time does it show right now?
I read 5:27
